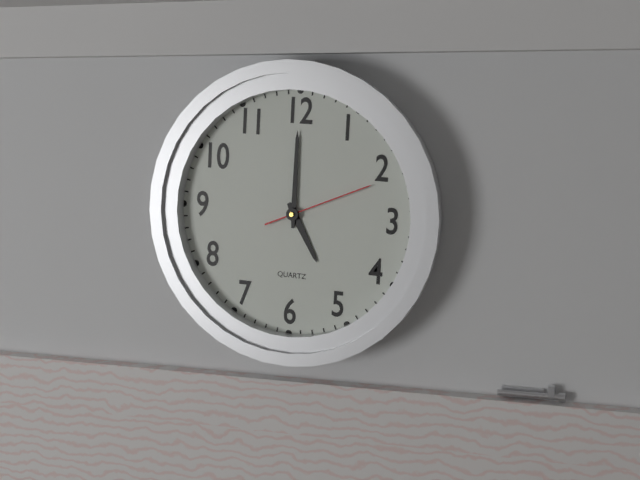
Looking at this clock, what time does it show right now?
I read 5:00:11
